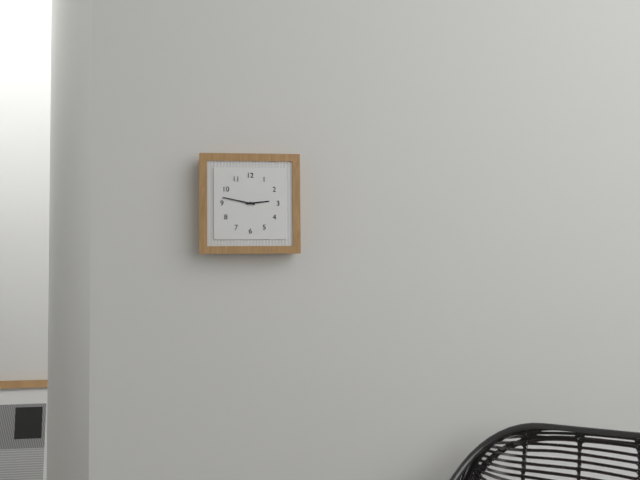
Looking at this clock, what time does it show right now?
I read 2:47
